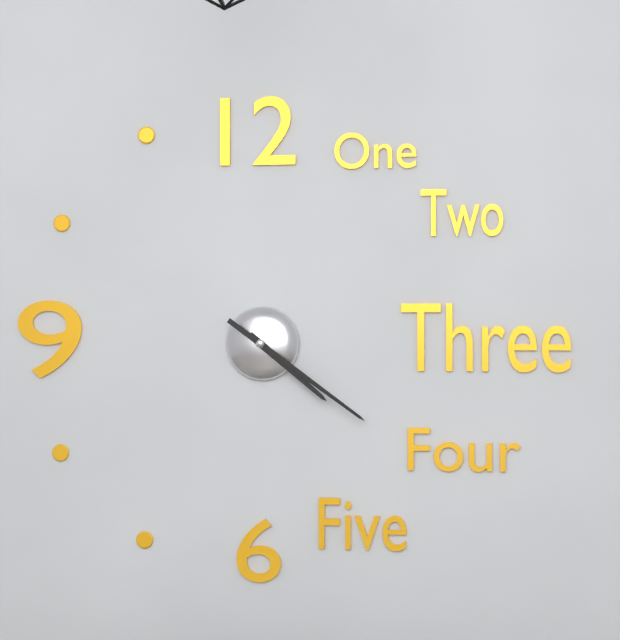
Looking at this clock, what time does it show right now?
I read 4:21
